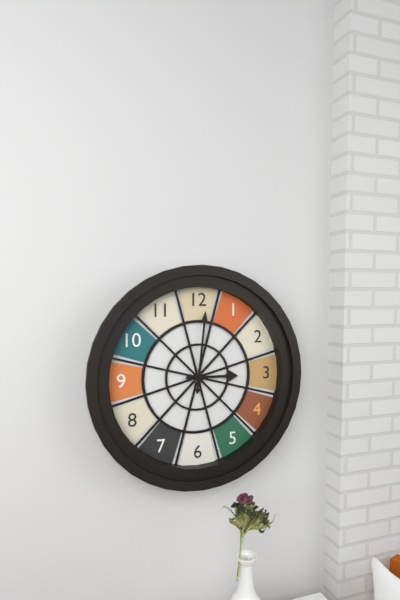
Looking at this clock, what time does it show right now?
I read 3:01
